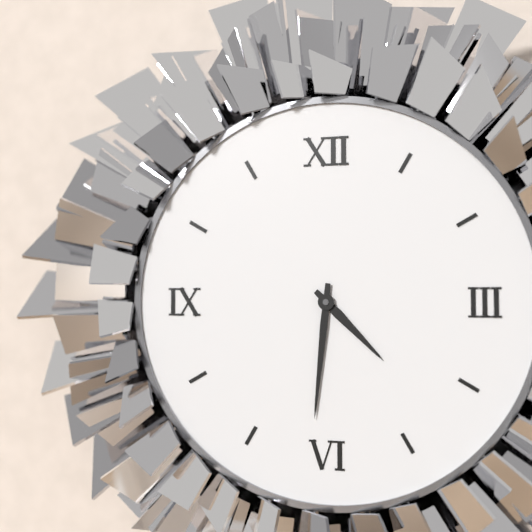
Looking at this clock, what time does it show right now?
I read 4:31
